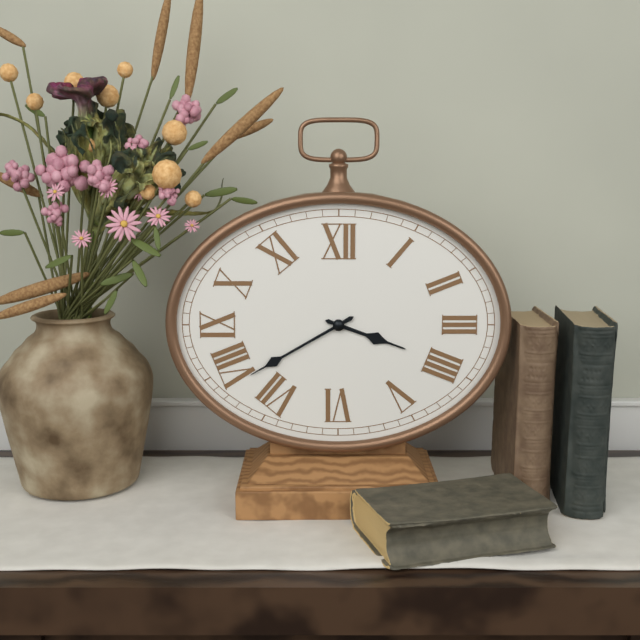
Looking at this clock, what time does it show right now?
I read 3:40
